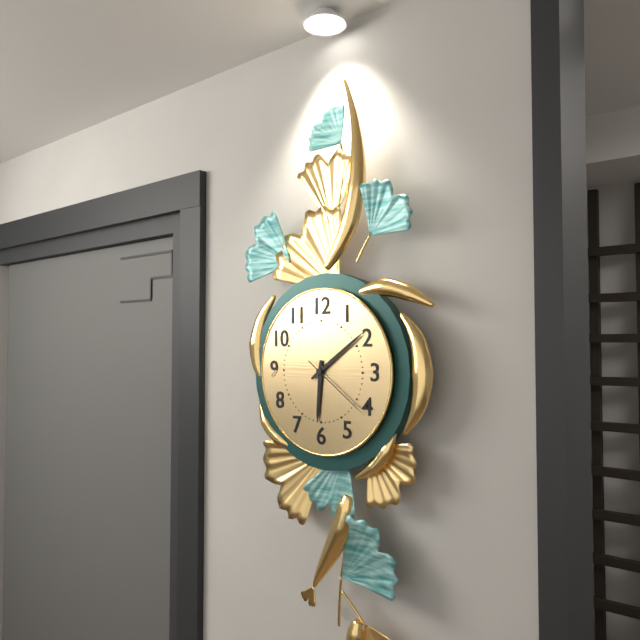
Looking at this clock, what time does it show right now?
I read 6:09:21
